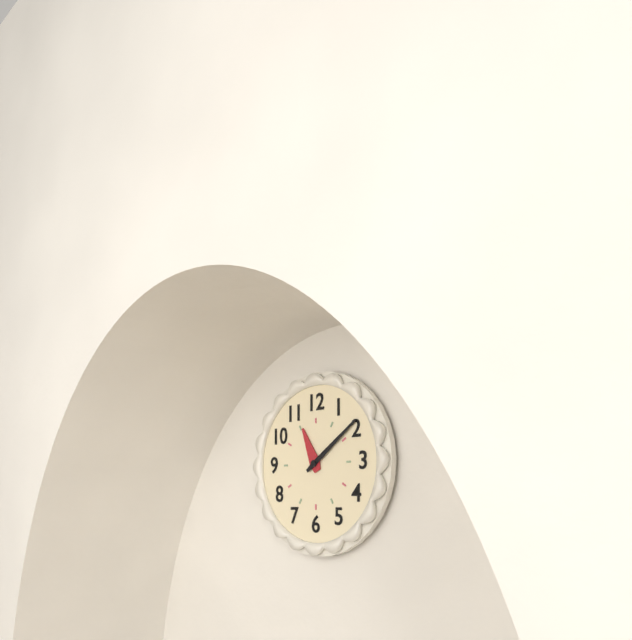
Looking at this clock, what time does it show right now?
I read 11:09
